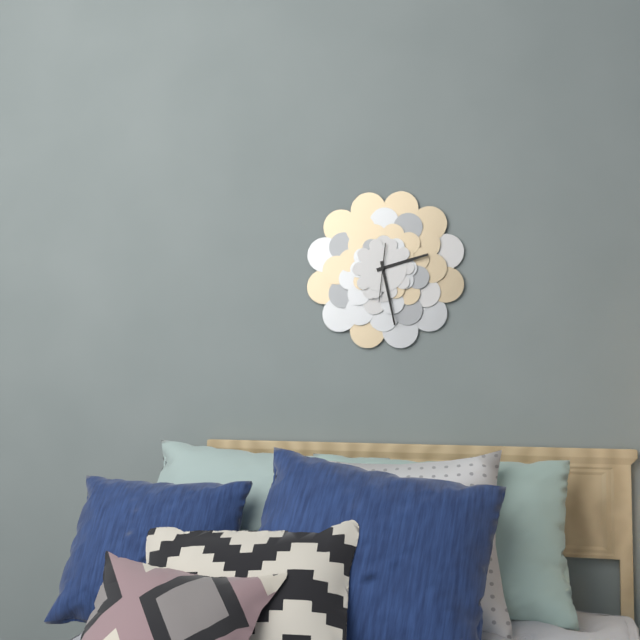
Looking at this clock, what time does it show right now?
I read 2:28
